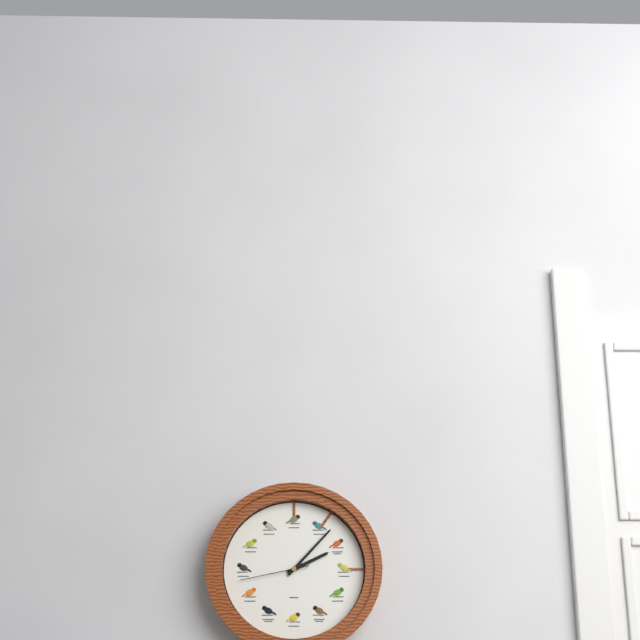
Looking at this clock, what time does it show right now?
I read 2:07:43
